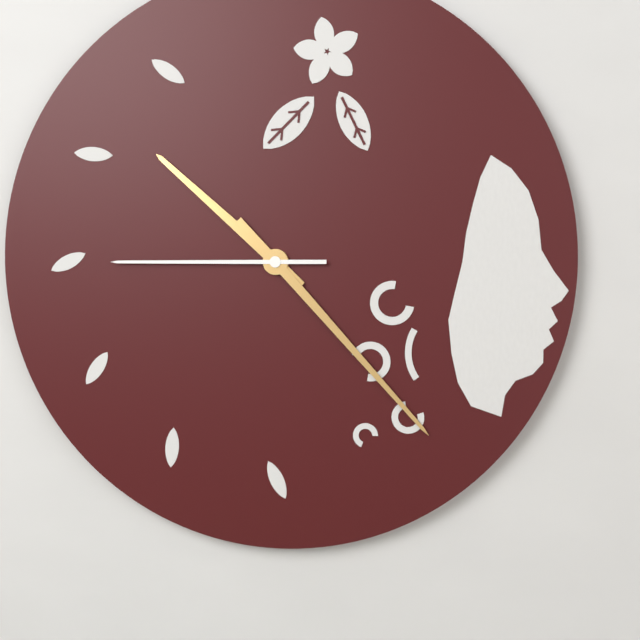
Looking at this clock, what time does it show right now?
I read 10:23:45
